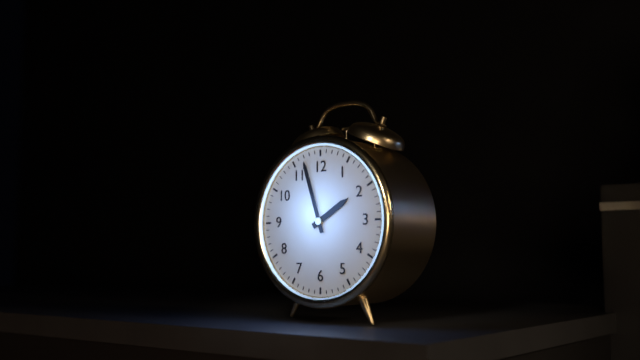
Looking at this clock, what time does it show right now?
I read 1:57
